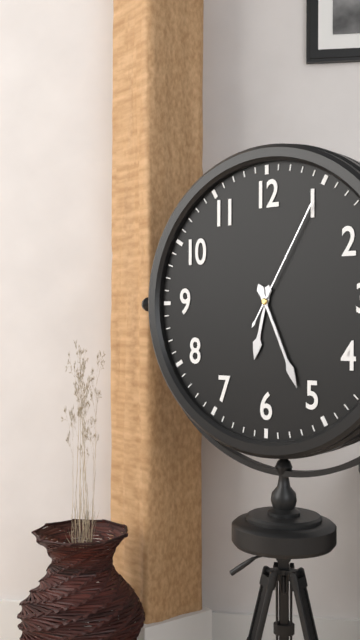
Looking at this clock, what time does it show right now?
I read 6:26:05
